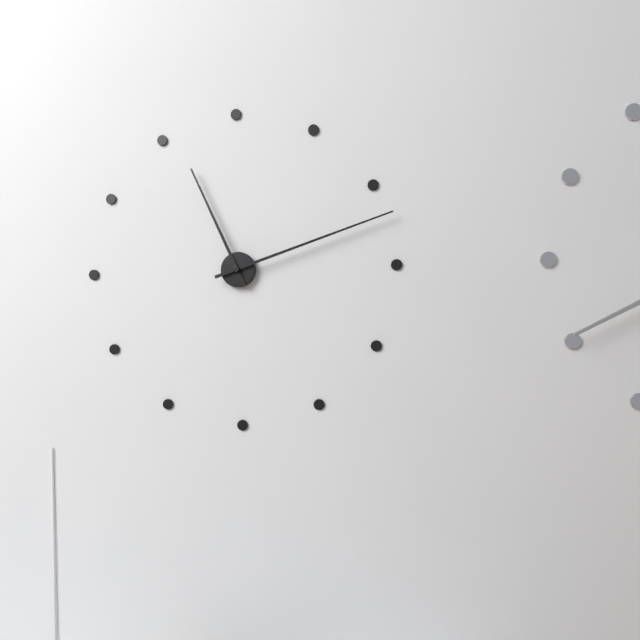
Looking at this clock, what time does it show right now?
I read 11:12
